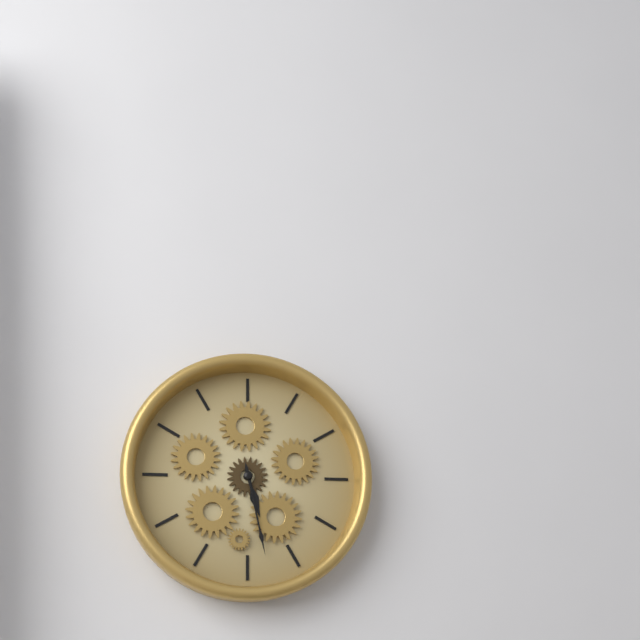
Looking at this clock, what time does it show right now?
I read 5:28
